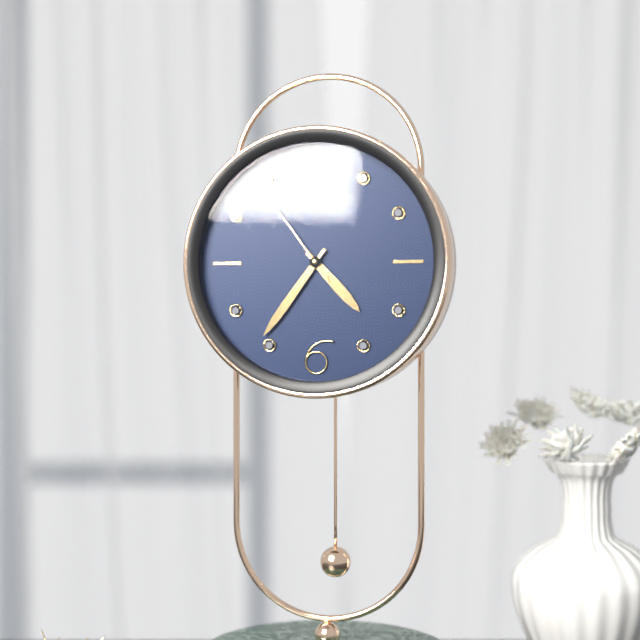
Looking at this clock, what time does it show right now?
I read 4:36:54
